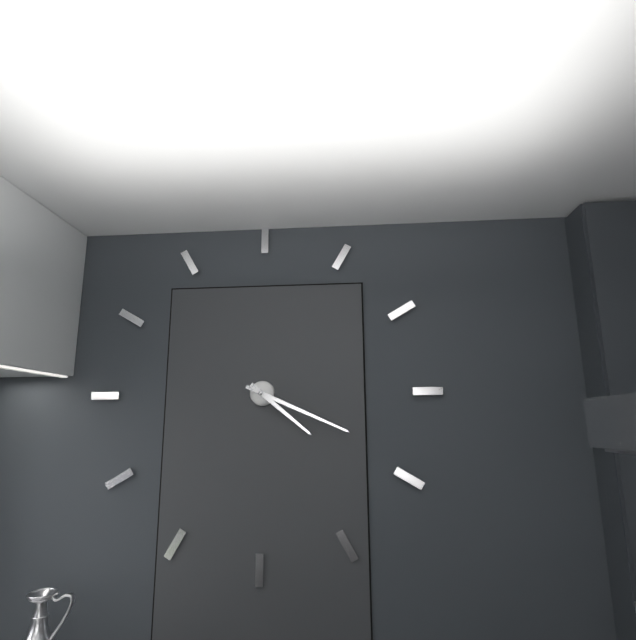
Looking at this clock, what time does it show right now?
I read 4:19
